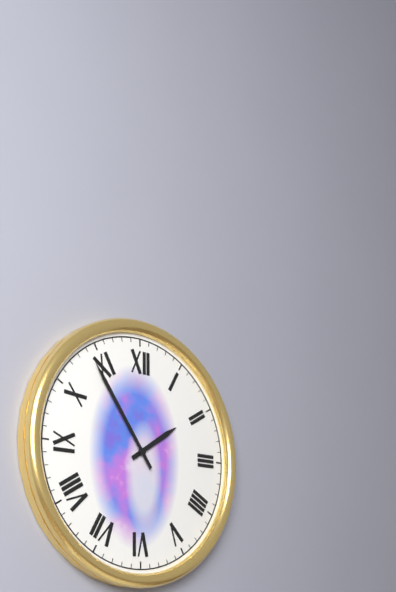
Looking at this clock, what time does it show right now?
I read 1:54
